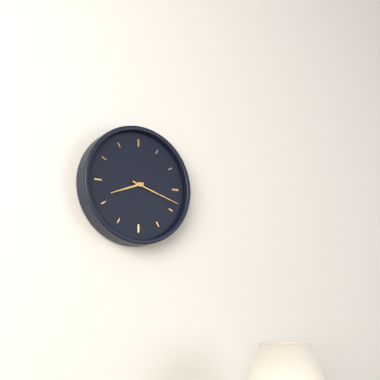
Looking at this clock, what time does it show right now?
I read 8:18
